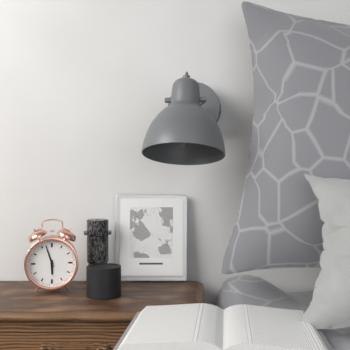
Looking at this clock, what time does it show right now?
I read 5:57
